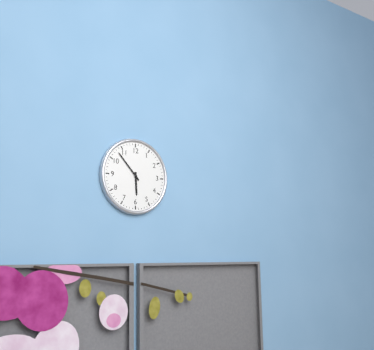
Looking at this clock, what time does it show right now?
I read 5:53
